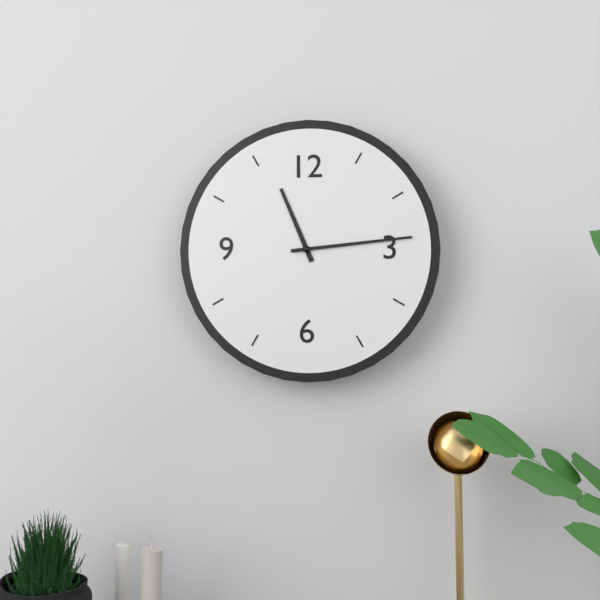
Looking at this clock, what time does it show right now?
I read 11:14
